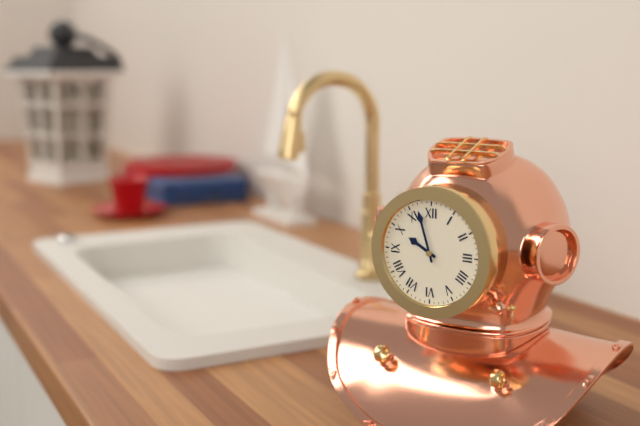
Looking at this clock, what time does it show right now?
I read 9:57
